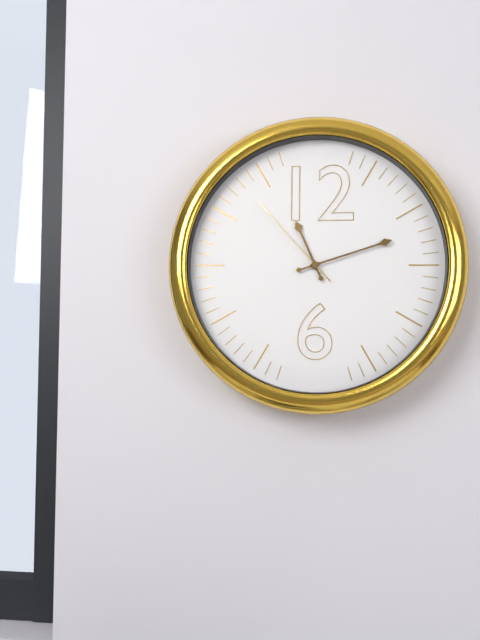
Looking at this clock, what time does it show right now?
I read 11:12:53
